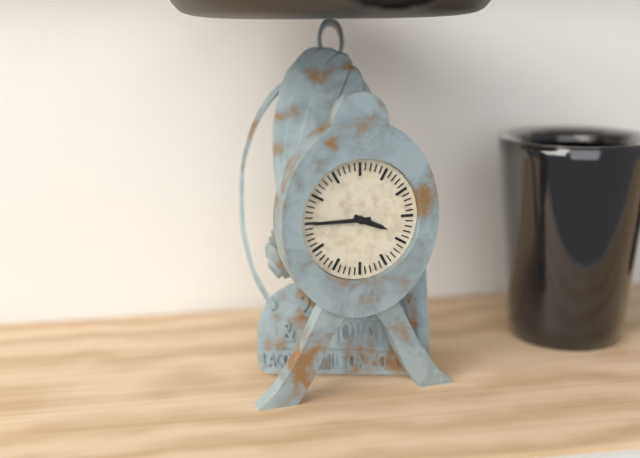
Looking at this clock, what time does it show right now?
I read 3:45
